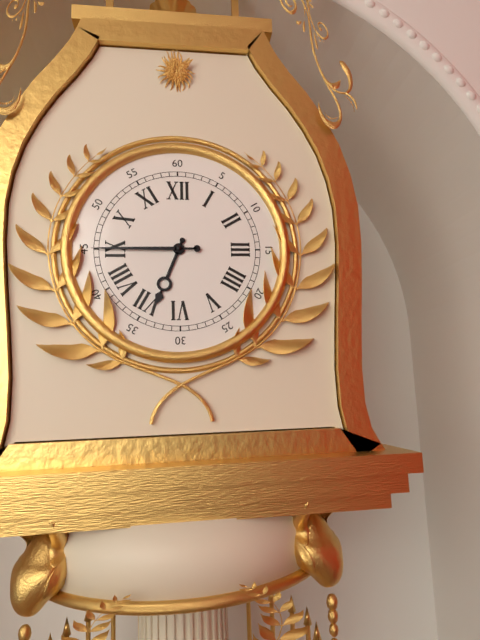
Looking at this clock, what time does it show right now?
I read 6:45
